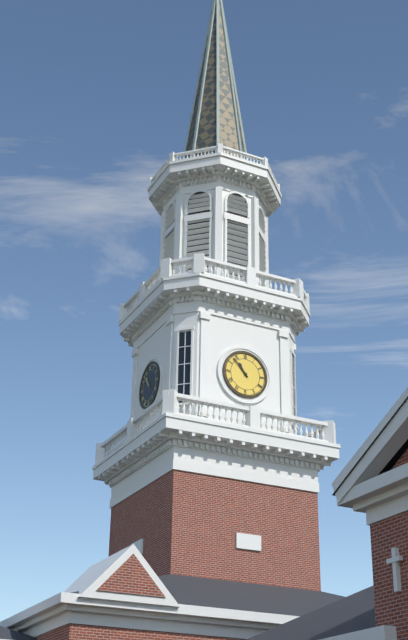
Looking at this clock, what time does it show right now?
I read 10:53
